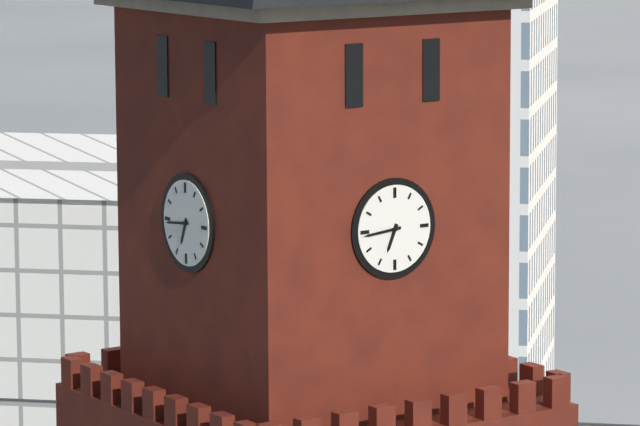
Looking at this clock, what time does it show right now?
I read 6:44
